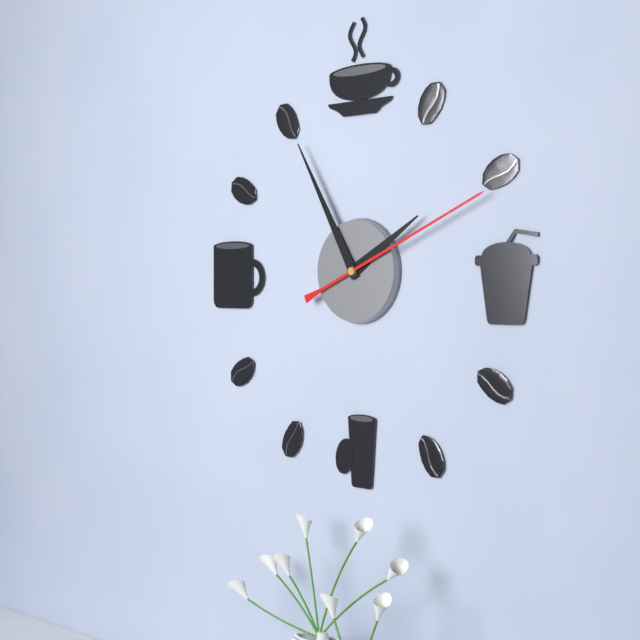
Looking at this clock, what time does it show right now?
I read 1:55:11
